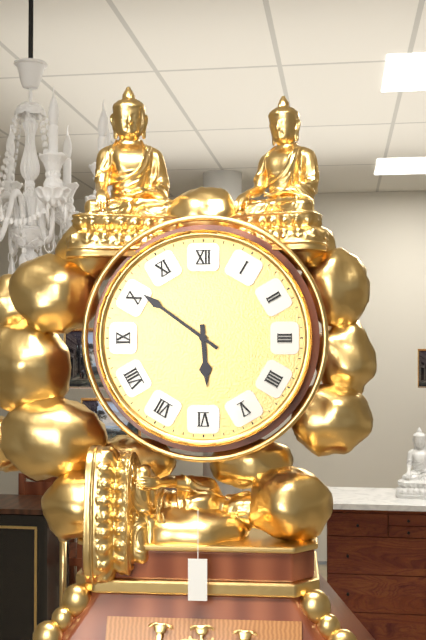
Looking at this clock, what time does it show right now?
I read 5:51
